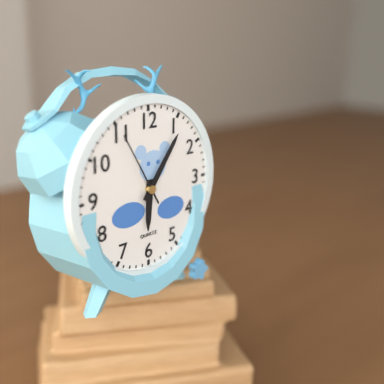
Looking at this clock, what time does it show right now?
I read 6:06:55
